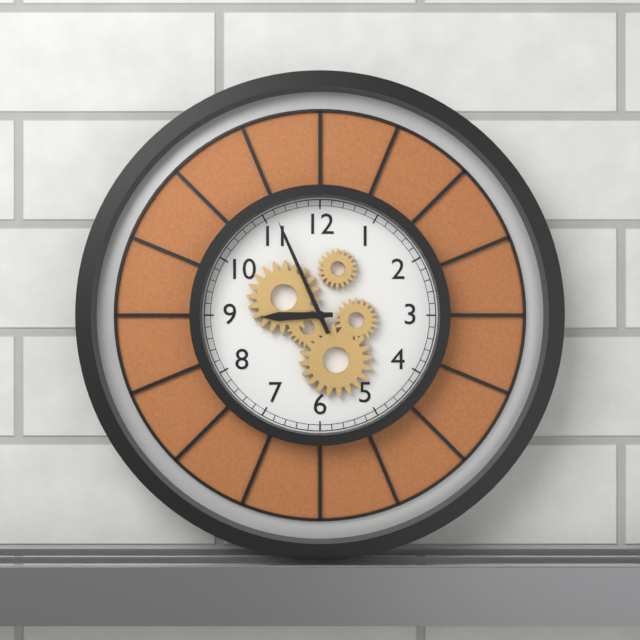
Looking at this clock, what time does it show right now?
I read 8:56
